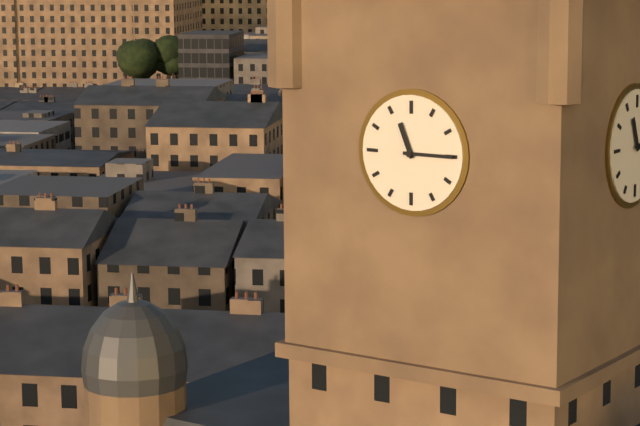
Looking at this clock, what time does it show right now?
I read 11:15
